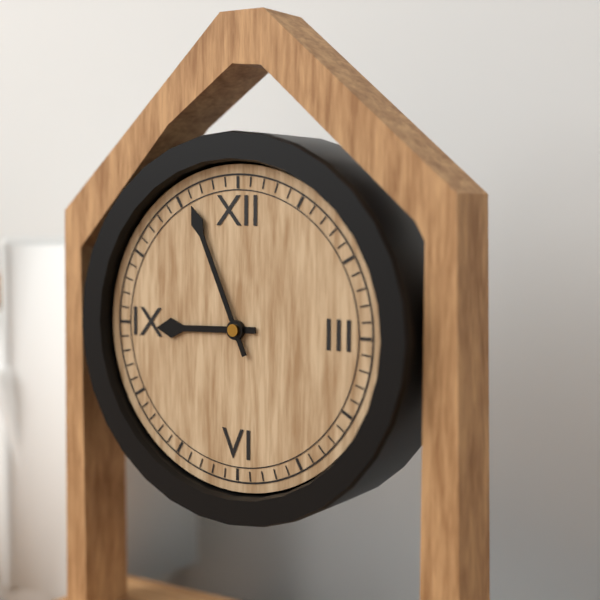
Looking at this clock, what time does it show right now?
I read 8:56
